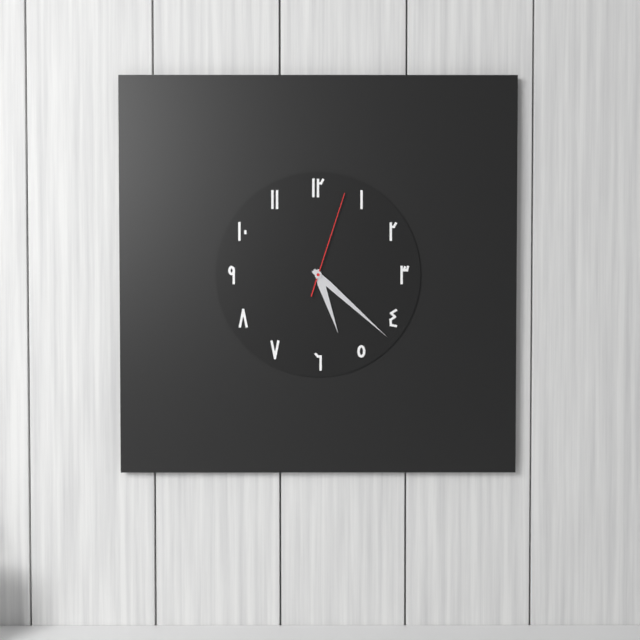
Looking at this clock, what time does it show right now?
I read 5:22:03
